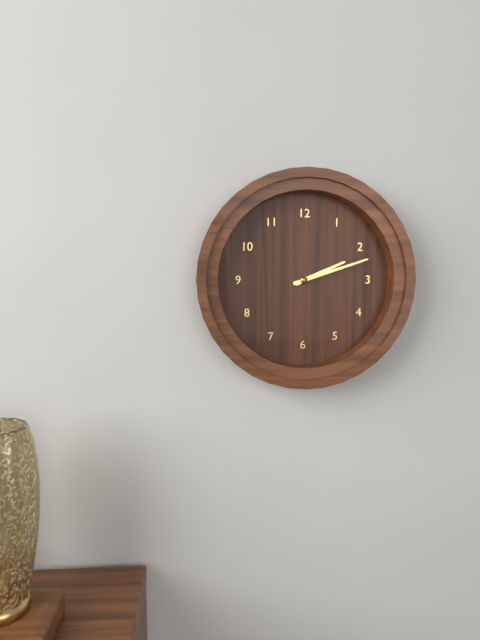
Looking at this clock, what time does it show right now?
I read 2:12
